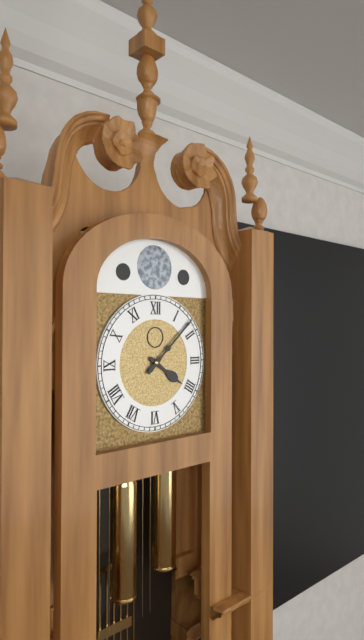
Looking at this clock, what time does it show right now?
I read 4:08
